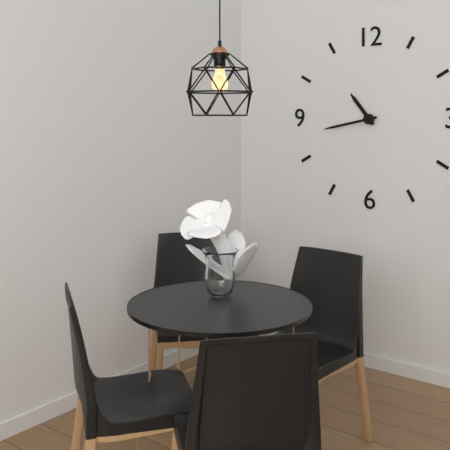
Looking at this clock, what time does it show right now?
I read 10:43
